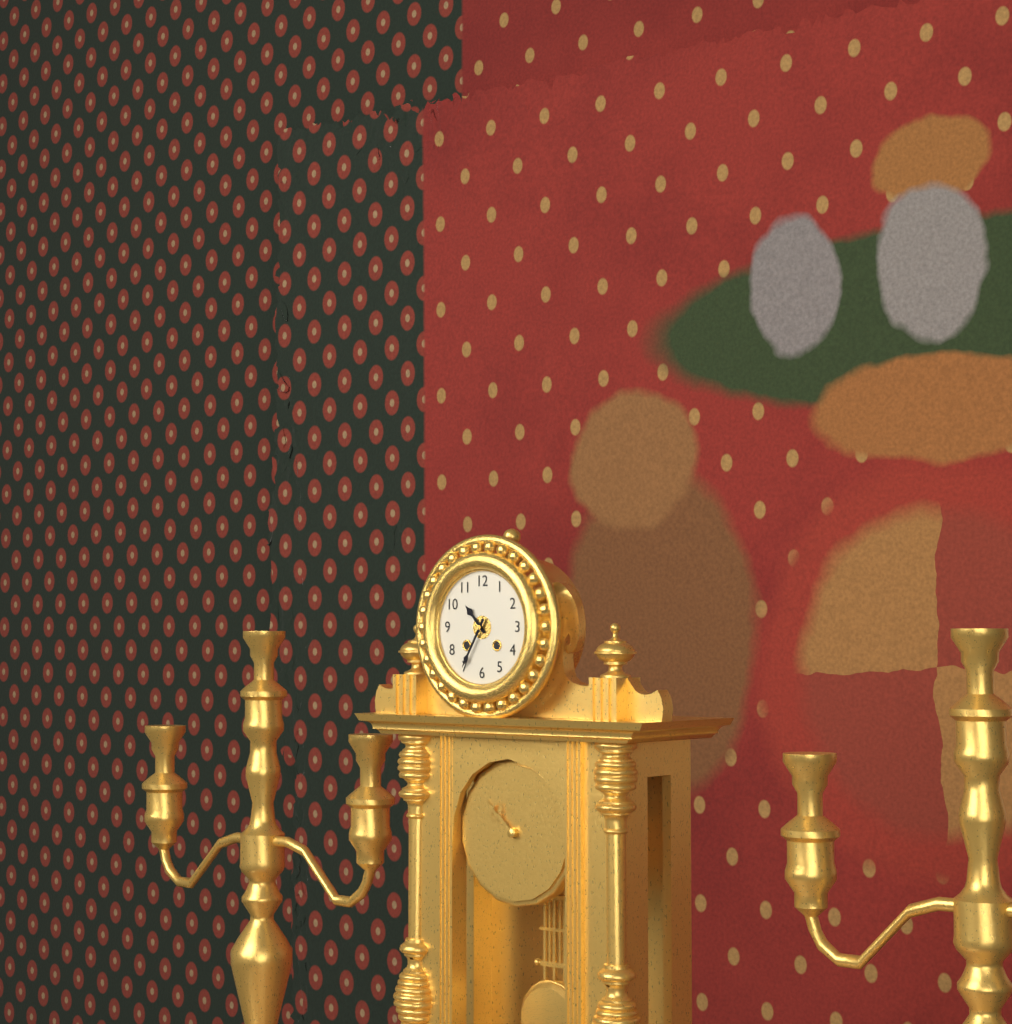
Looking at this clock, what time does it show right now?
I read 10:35
